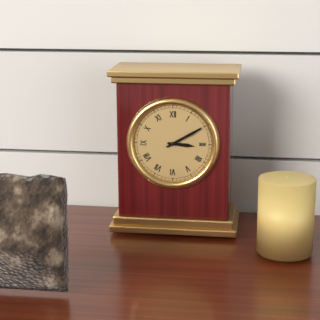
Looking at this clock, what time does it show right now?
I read 3:10
